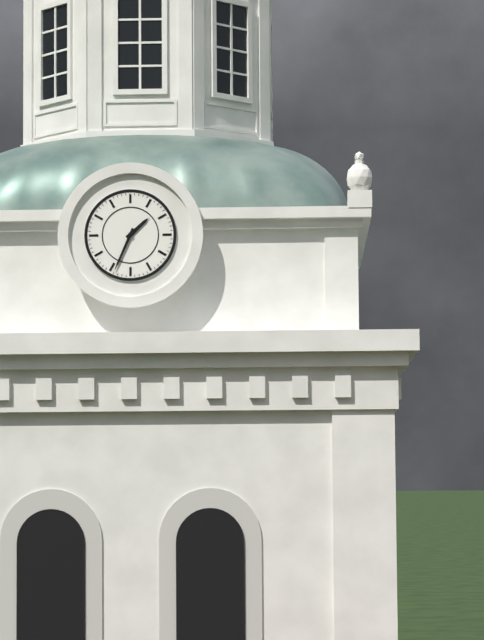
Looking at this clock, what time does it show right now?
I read 1:34
